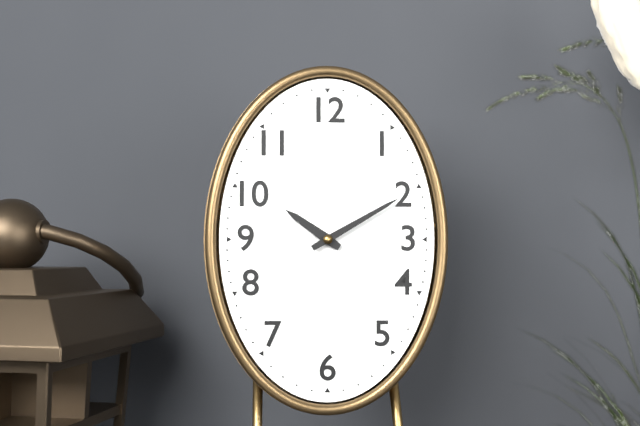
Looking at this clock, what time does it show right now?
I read 10:10
